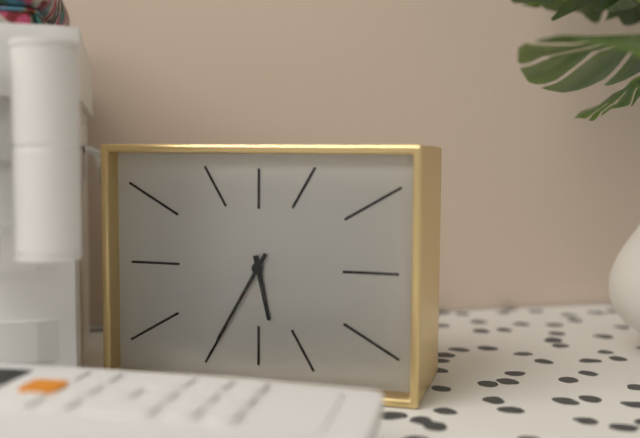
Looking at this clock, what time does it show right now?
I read 5:35
